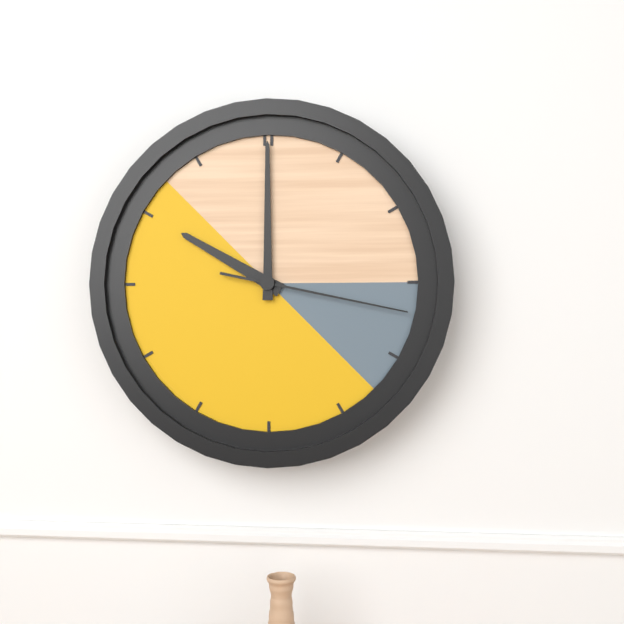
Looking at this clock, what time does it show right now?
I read 10:00:17
